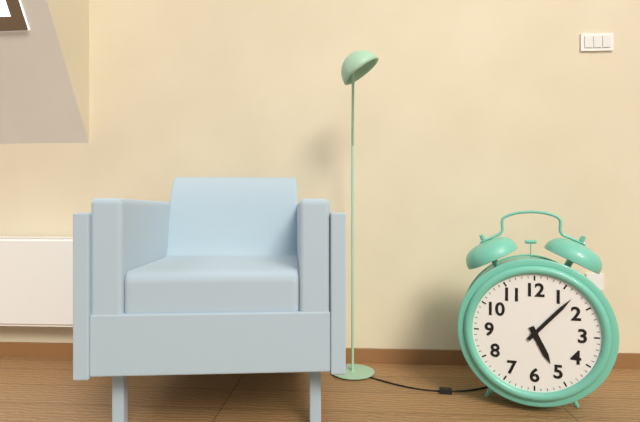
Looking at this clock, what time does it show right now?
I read 5:07
